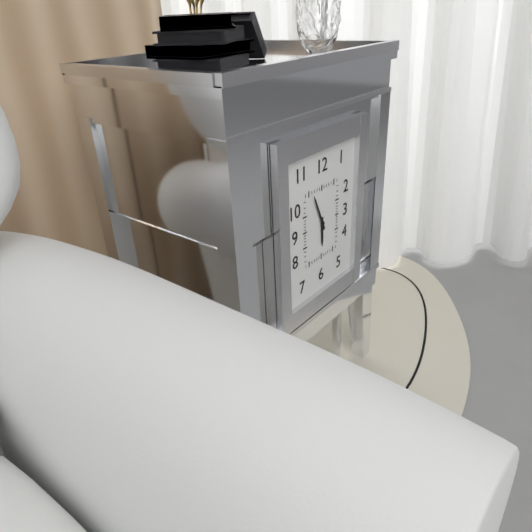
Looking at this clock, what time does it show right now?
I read 5:56
